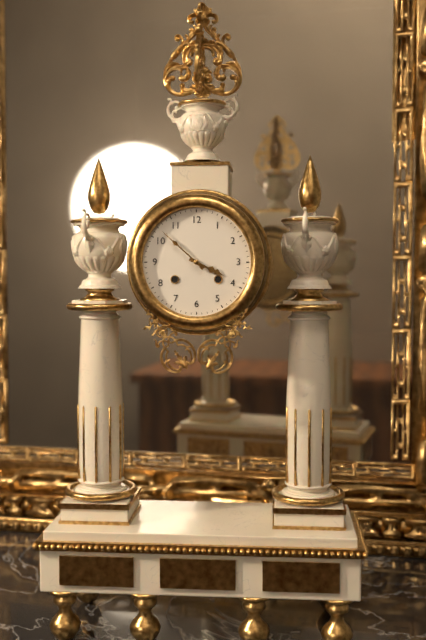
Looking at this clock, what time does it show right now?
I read 3:52
